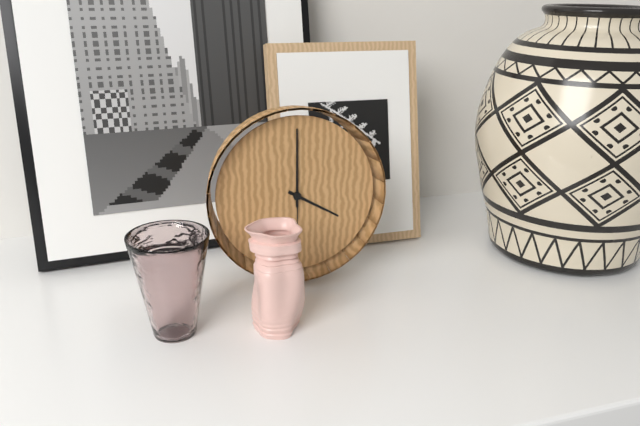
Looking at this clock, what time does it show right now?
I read 4:00
